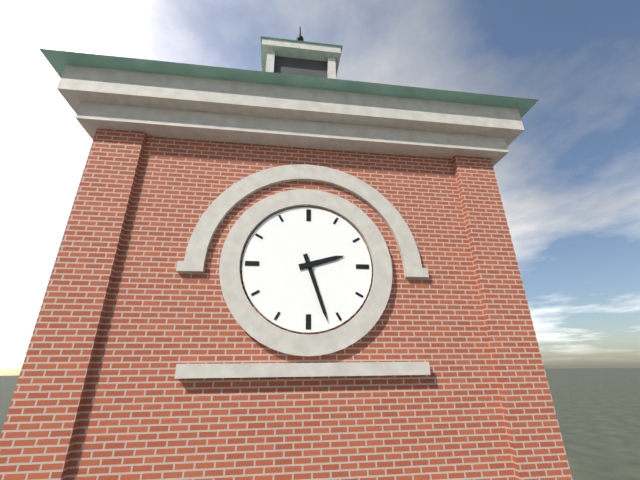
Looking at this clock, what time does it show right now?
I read 2:27
